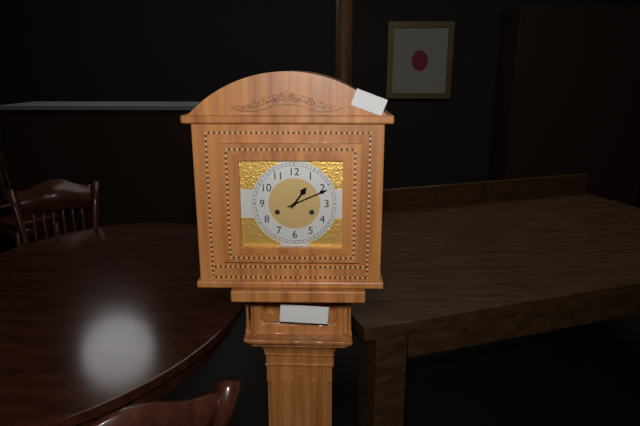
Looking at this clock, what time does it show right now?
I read 1:11
